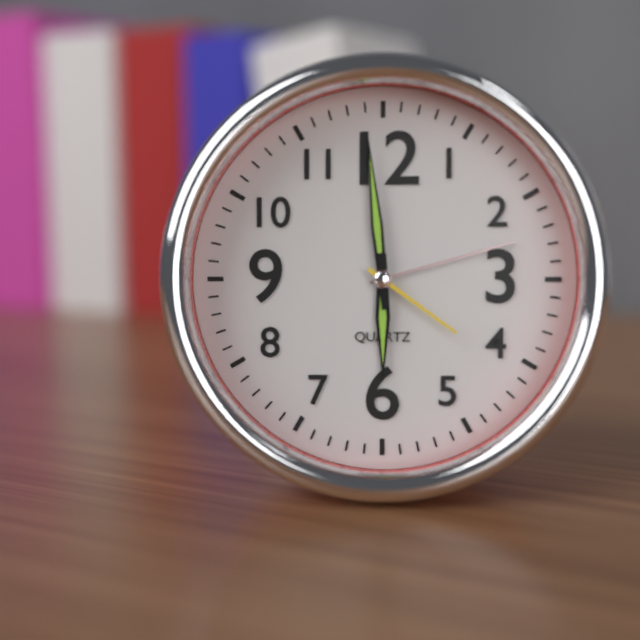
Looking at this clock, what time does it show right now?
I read 5:59:21
